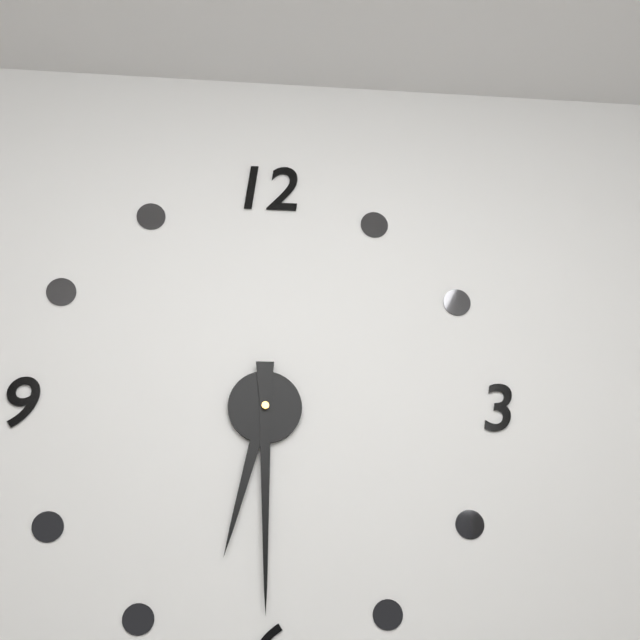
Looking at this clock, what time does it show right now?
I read 6:30
